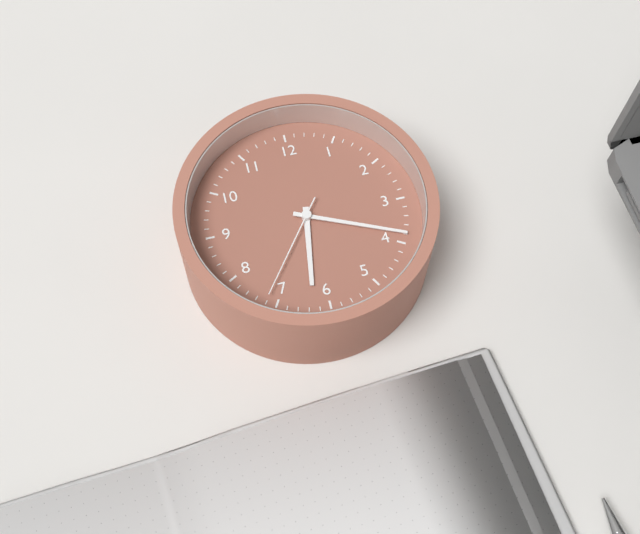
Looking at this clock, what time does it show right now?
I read 6:19:36
